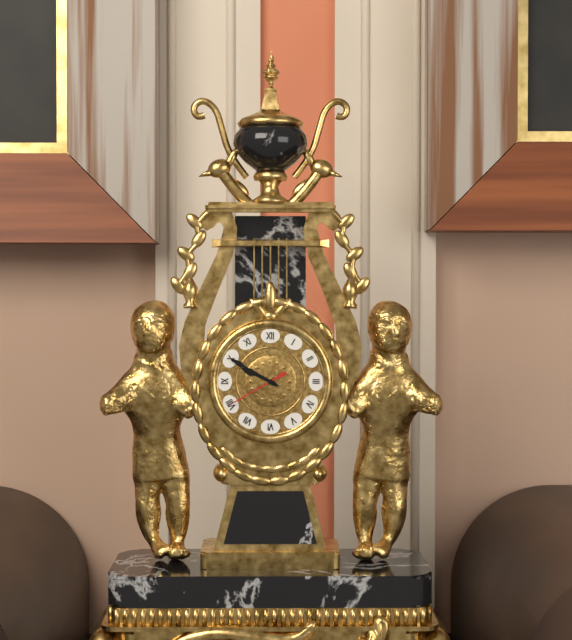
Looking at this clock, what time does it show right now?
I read 9:50:40
